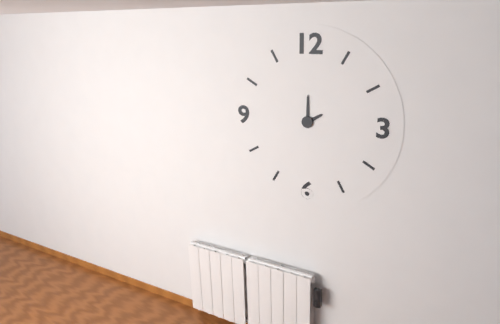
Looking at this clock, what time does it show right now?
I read 2:00
